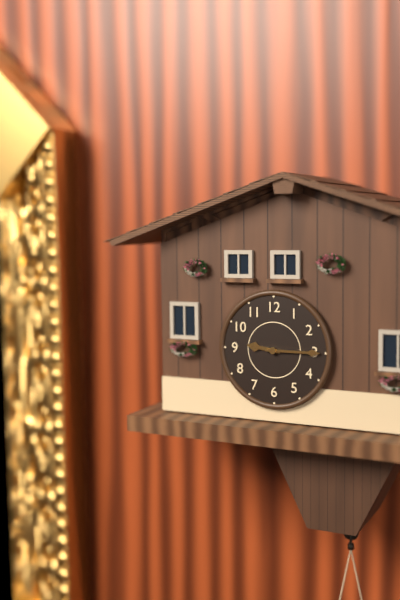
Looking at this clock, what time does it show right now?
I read 9:15
